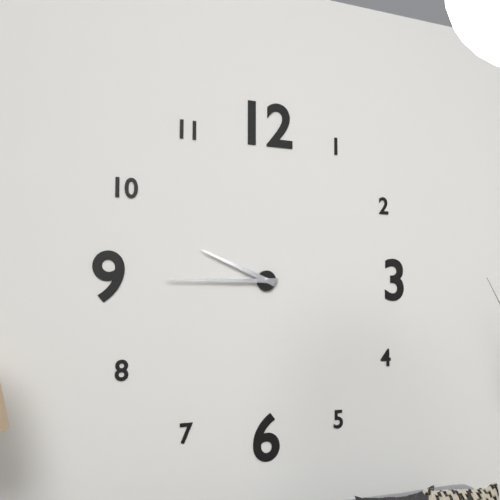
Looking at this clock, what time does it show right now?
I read 9:45
